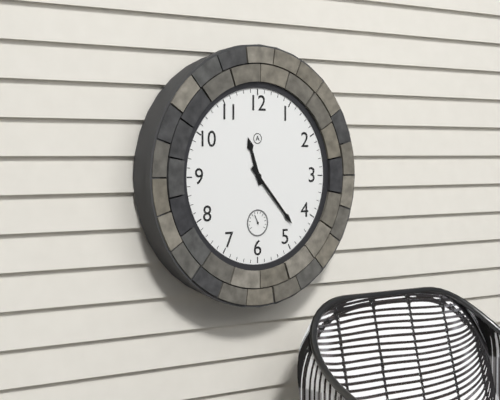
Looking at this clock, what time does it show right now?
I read 11:23
